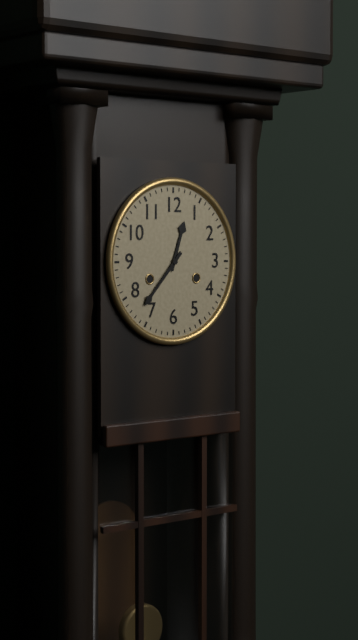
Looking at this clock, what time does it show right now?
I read 12:37
